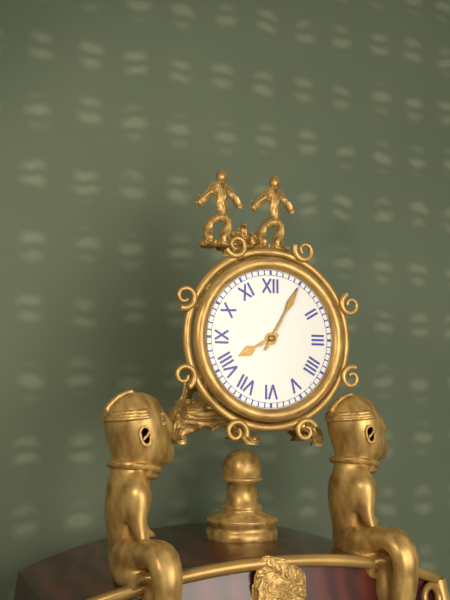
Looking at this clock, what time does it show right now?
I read 8:05
